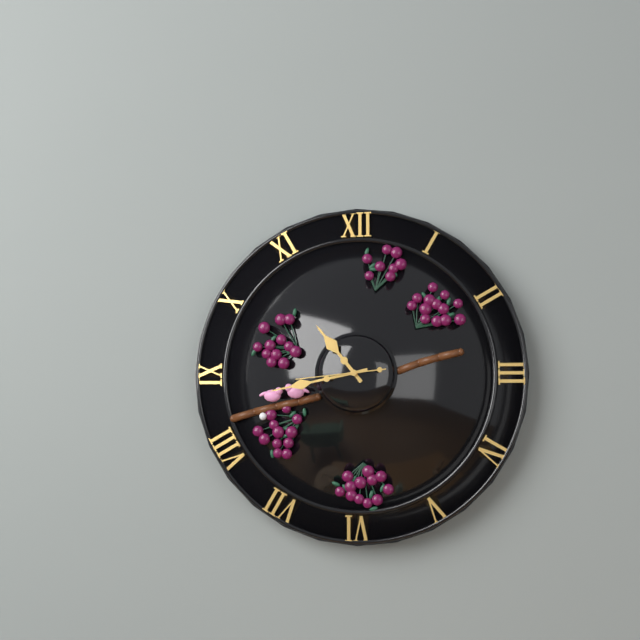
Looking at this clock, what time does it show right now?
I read 10:43:44
